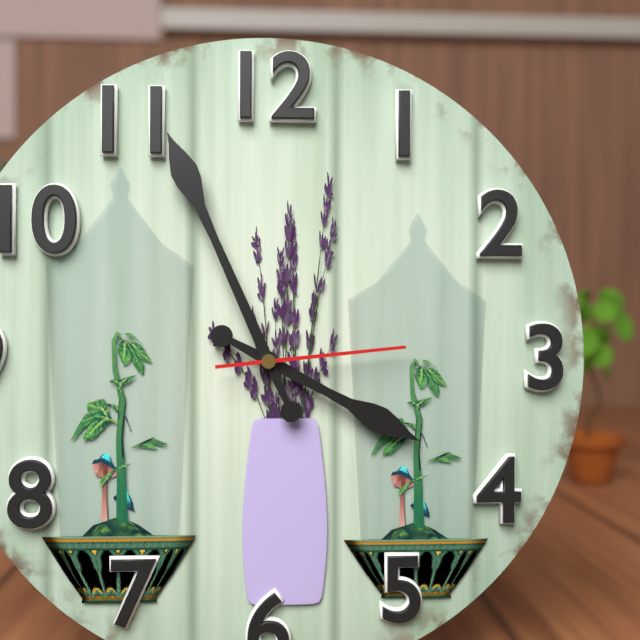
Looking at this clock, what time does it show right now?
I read 3:56:14
